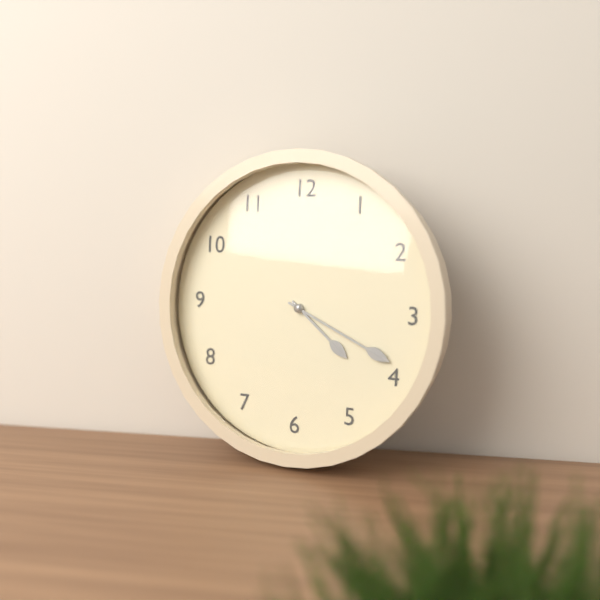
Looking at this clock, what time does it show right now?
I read 4:19
